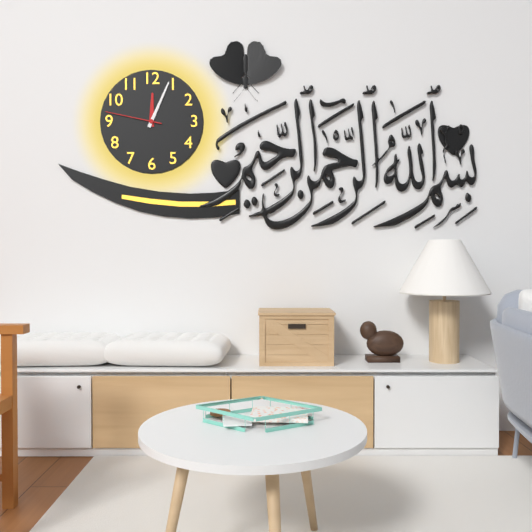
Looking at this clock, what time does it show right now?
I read 12:04:47
